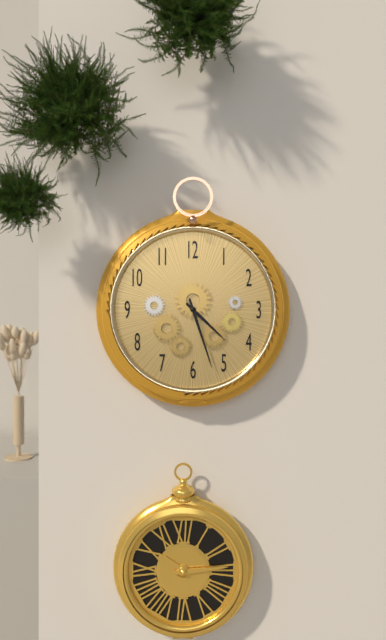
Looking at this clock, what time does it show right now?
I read 4:27
